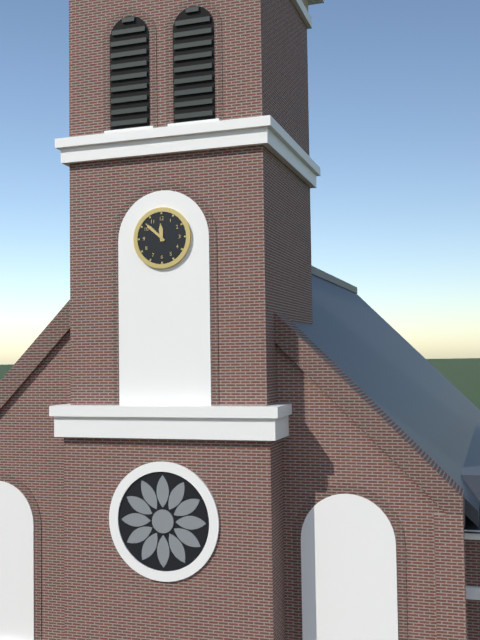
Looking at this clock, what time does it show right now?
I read 11:52
